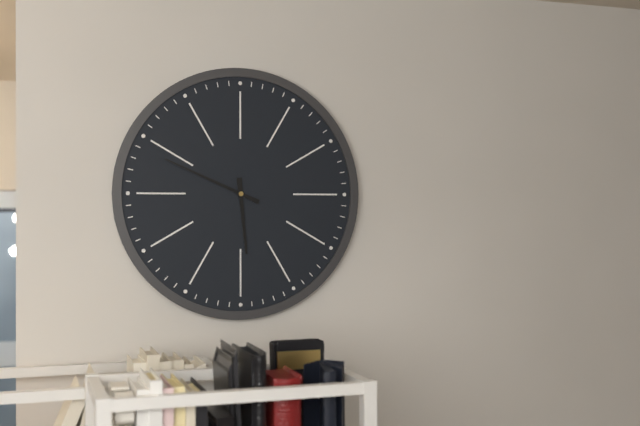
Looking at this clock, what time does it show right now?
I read 5:49
